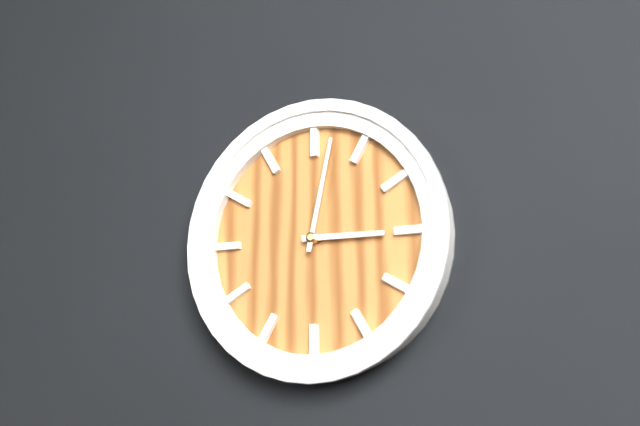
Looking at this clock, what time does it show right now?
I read 3:02
